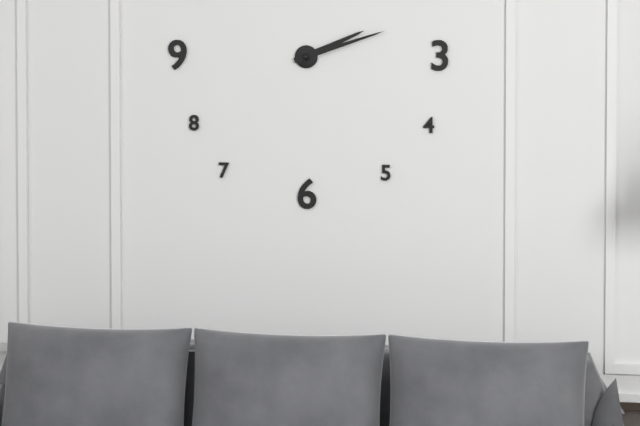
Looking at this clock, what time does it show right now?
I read 2:12
